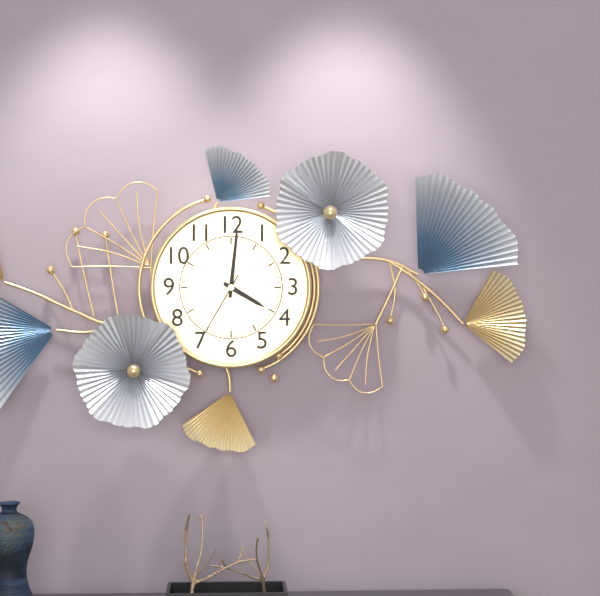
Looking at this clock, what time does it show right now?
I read 4:01:35
